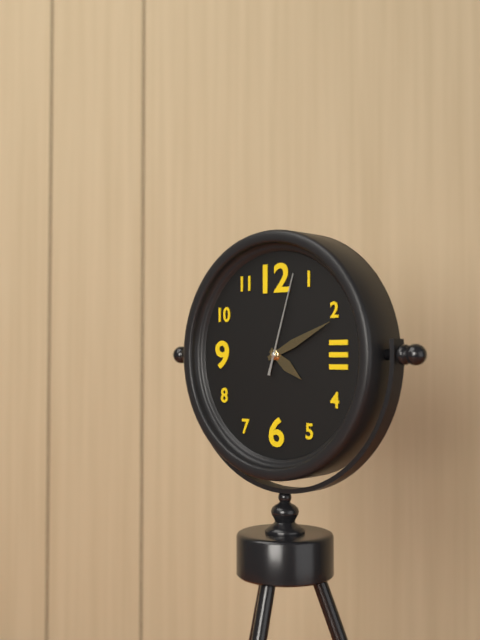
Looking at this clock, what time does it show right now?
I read 4:11:03
